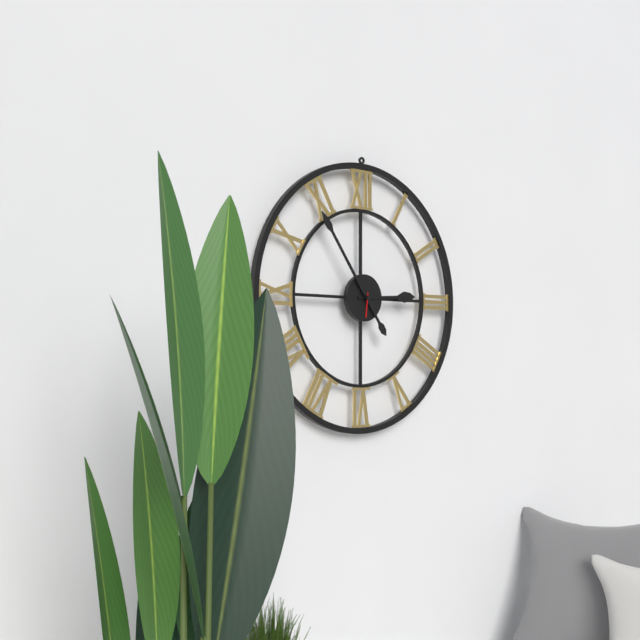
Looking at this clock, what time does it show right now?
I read 2:54
